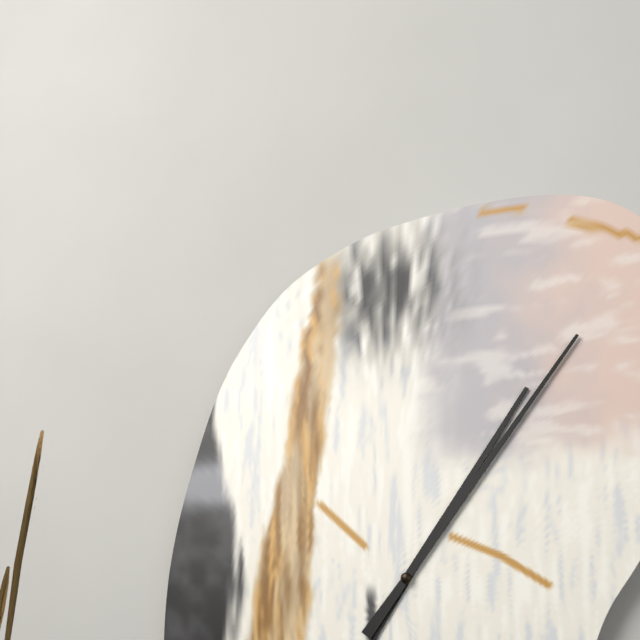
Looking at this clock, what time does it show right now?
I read 1:06
